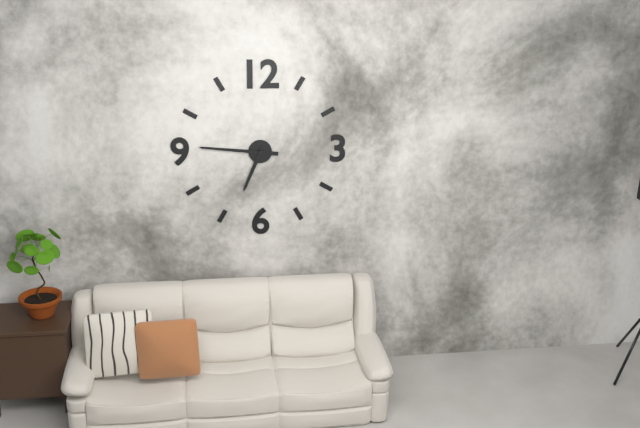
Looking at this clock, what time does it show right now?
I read 6:46
